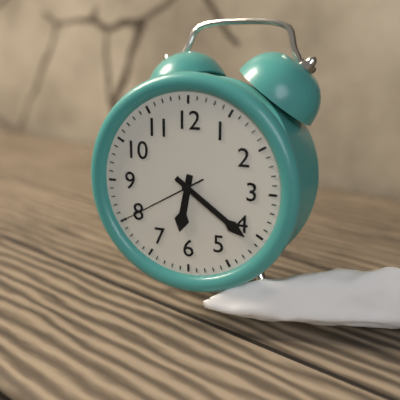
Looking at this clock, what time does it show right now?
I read 6:21:40
